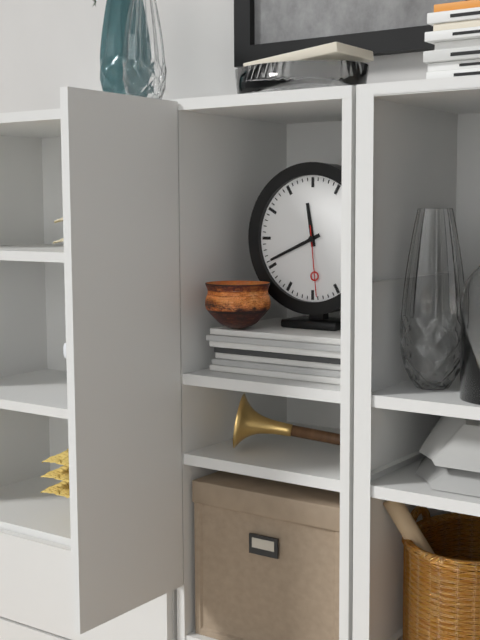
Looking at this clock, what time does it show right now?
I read 11:41:29
